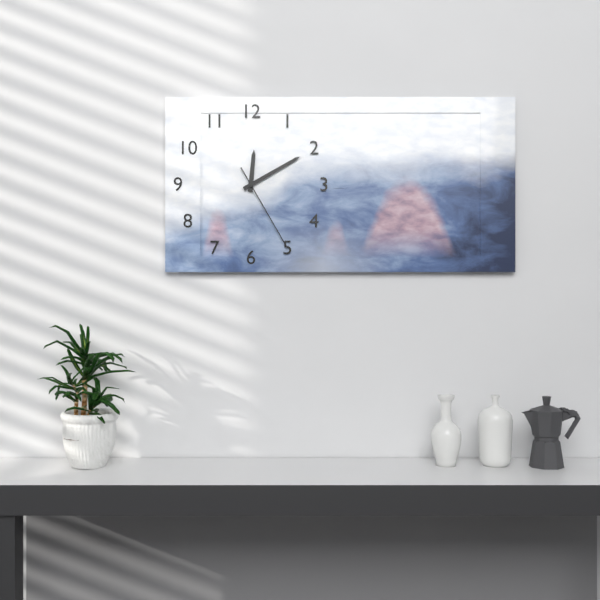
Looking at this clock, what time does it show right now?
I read 12:10:25
